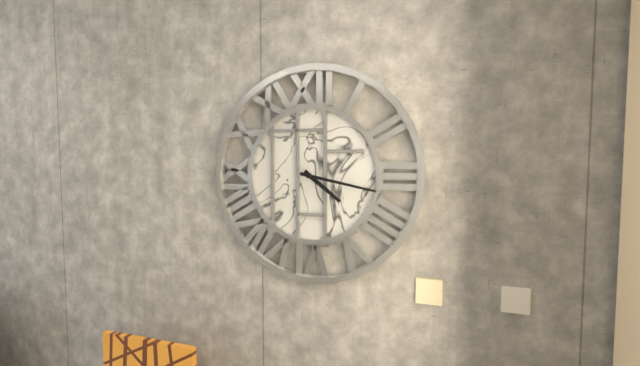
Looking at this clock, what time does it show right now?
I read 4:17
